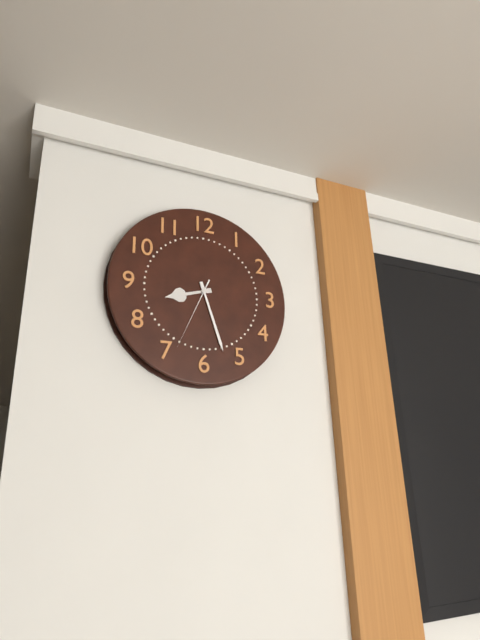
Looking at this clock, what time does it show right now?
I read 8:27:34
